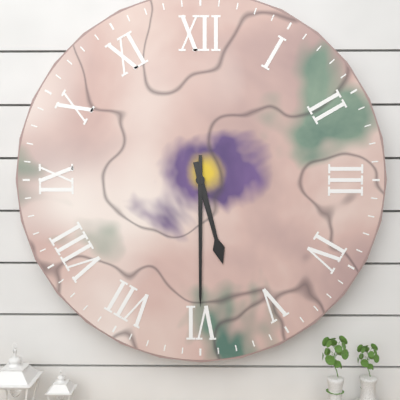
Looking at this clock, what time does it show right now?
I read 5:30
